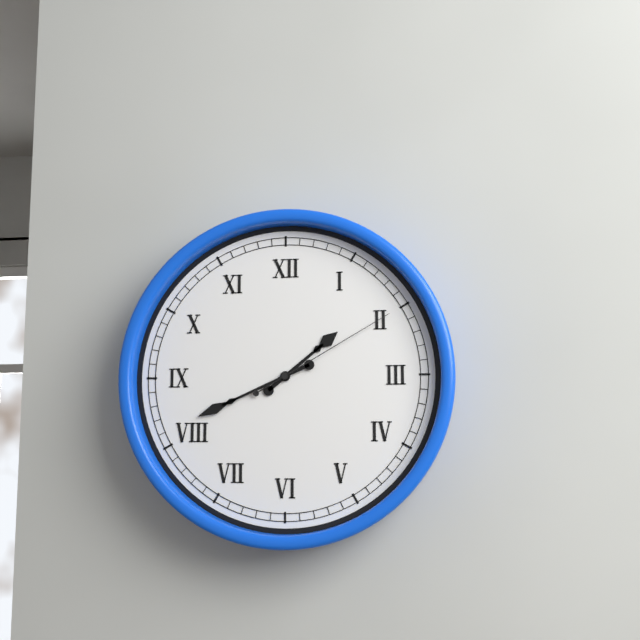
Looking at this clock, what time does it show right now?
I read 1:41:10
